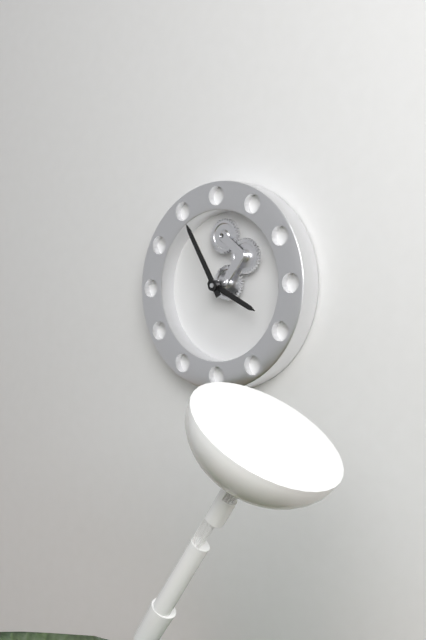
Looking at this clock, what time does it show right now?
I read 3:55
